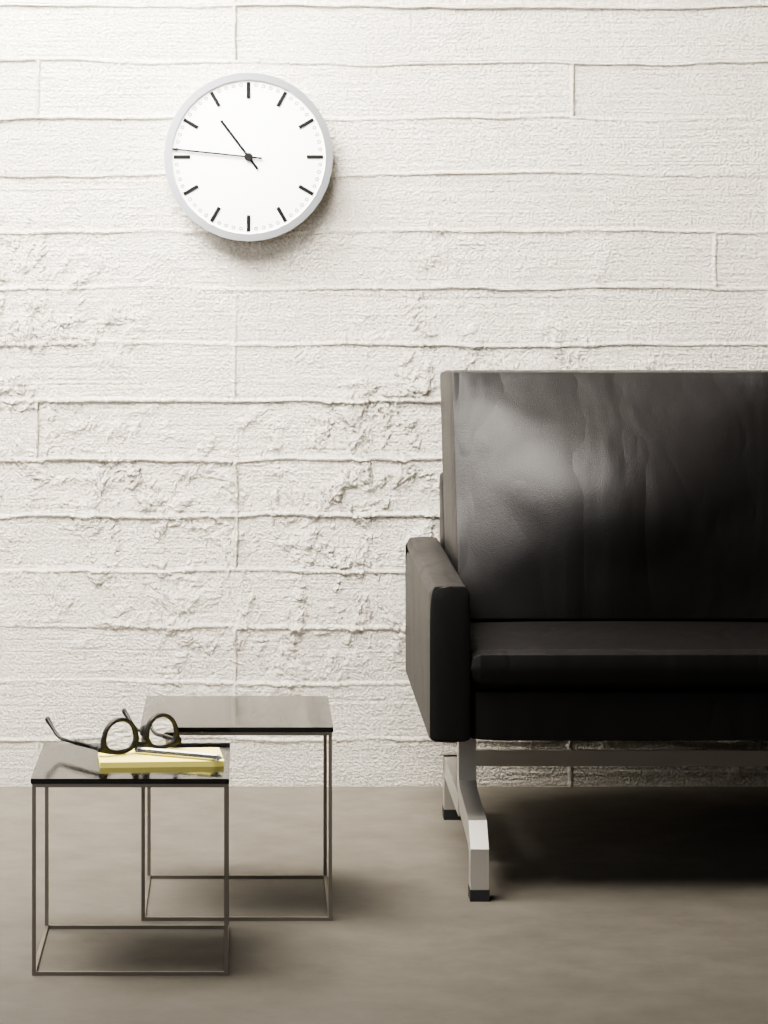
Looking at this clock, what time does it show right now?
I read 10:46
